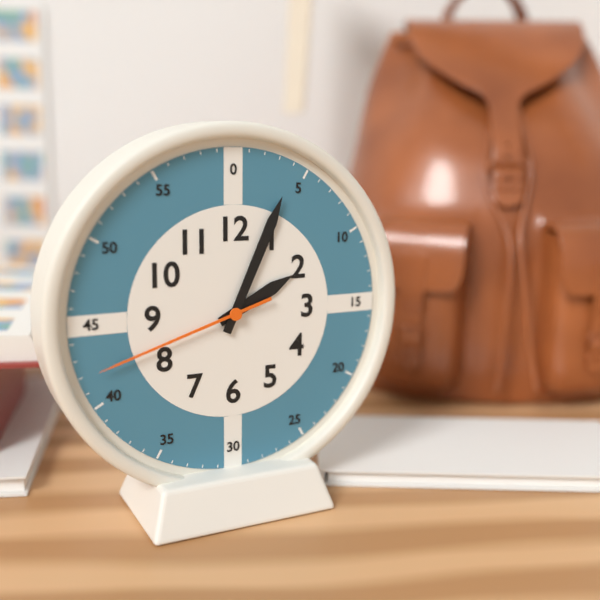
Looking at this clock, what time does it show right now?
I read 2:04:42
